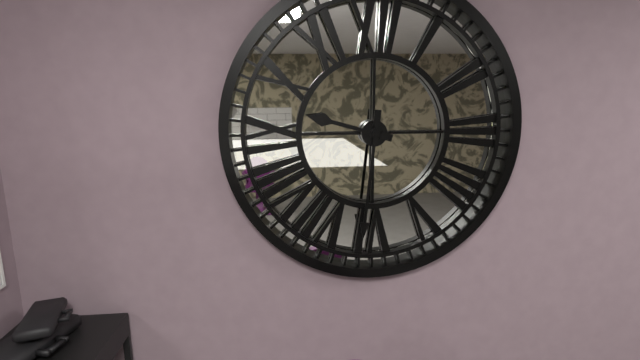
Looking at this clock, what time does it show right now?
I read 9:31
